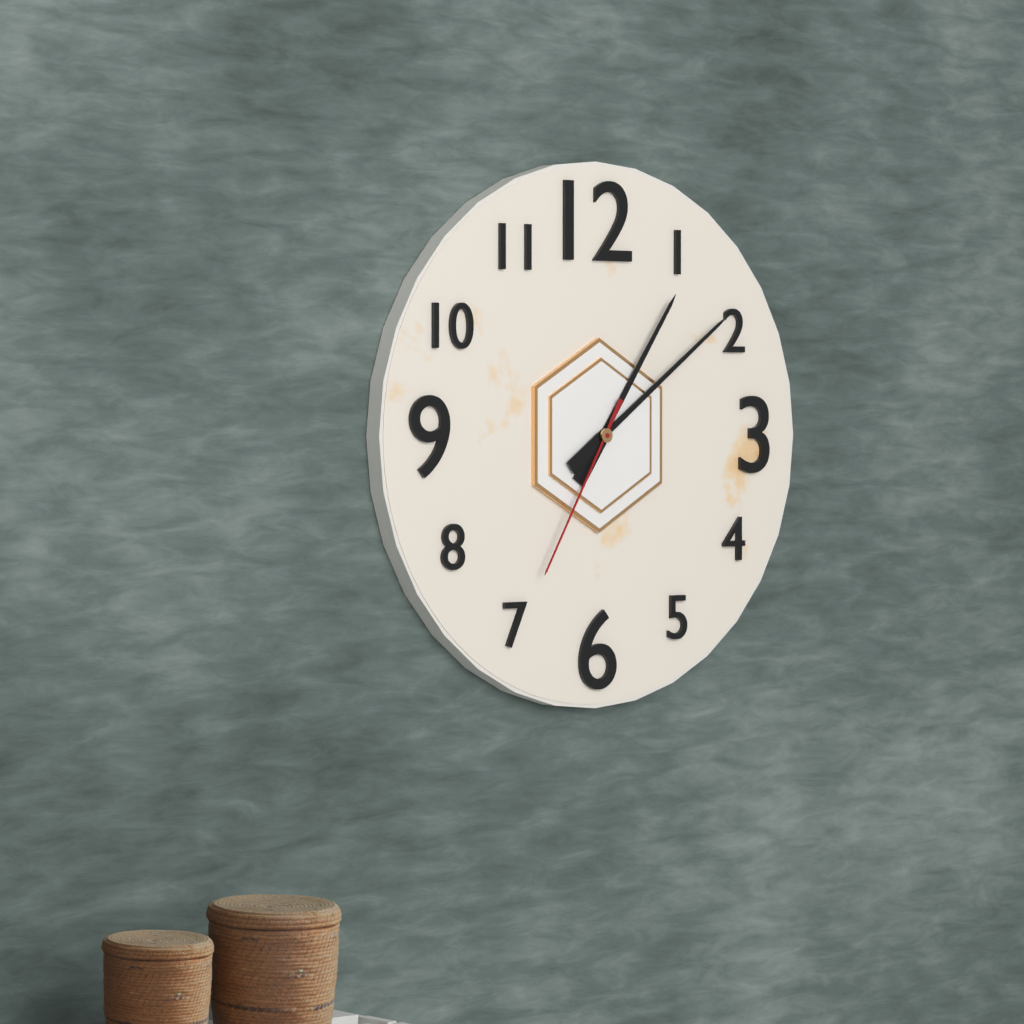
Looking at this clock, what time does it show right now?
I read 1:09:35
